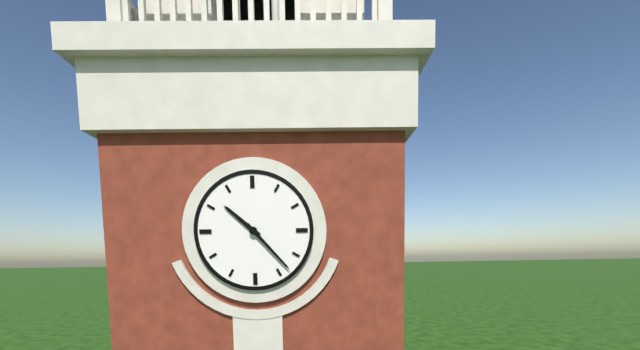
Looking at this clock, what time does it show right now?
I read 10:23
